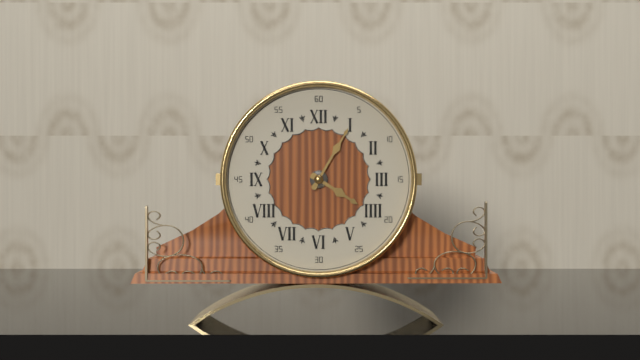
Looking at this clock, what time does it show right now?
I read 4:05
